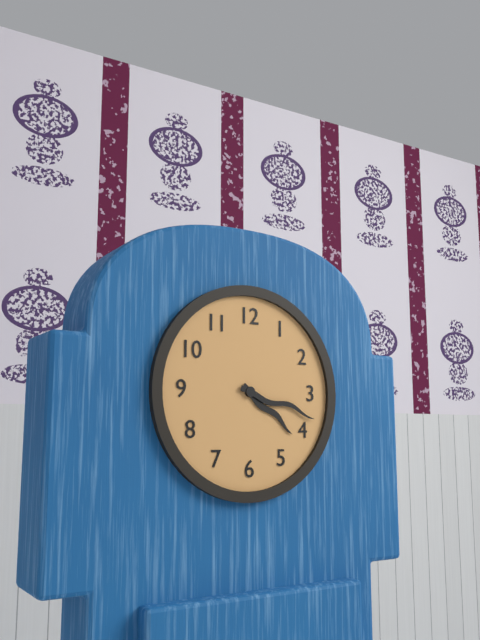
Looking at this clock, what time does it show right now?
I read 4:18
